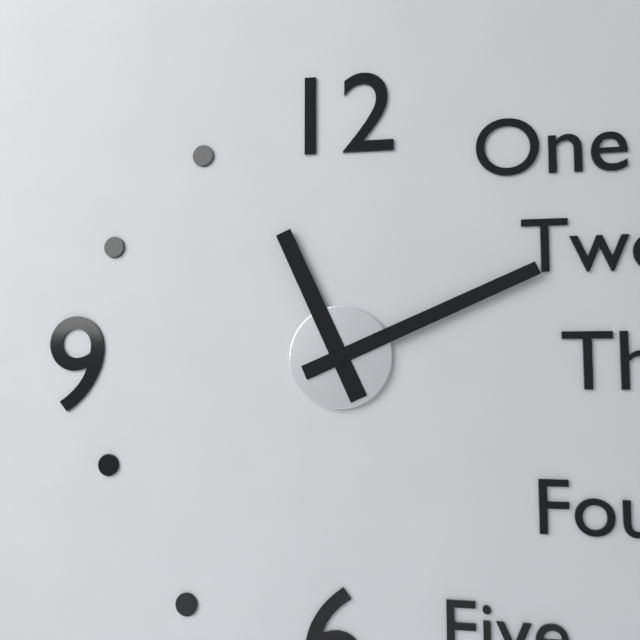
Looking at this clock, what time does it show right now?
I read 11:11
